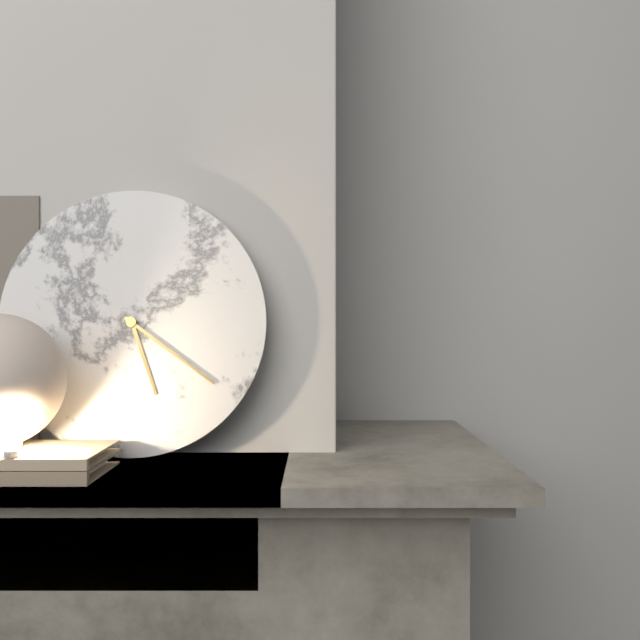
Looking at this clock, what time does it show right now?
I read 5:21
